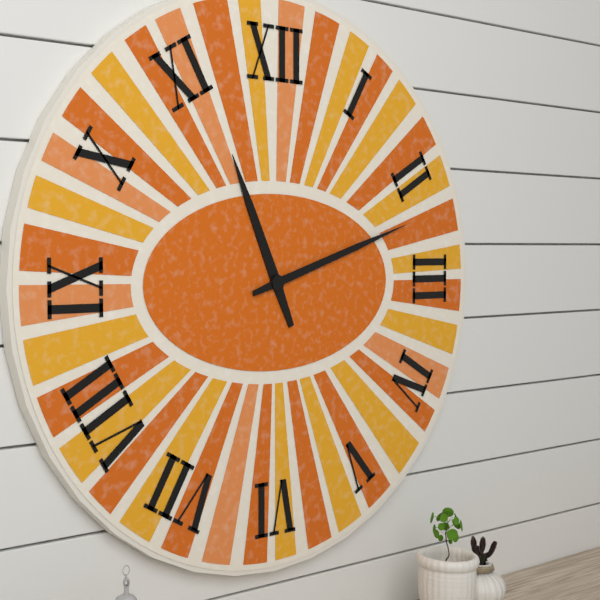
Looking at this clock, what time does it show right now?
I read 11:12
